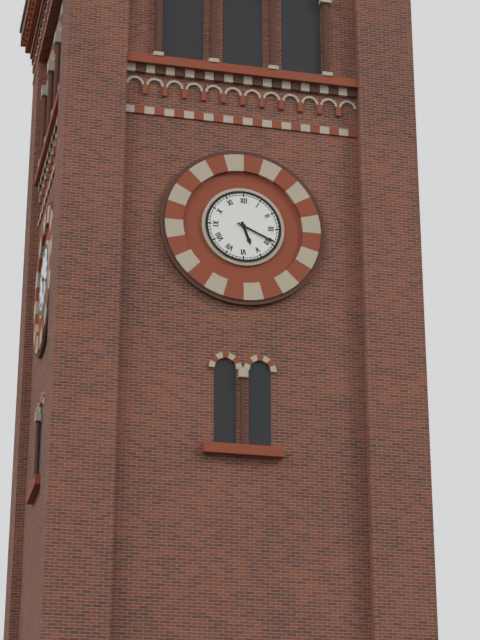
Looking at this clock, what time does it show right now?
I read 5:19
